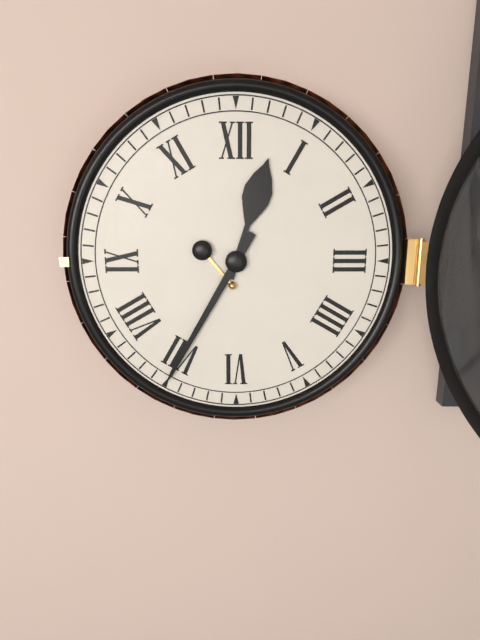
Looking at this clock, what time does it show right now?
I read 12:35
